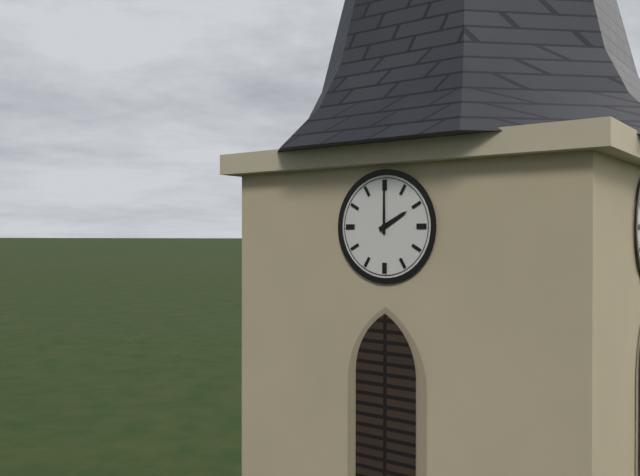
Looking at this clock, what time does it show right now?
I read 2:00
